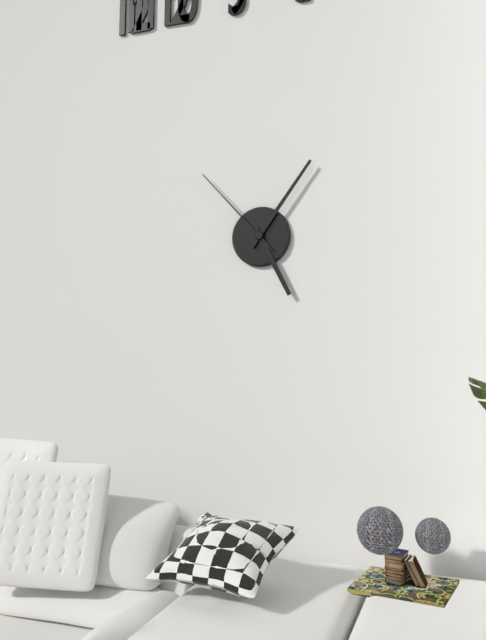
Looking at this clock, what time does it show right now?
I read 5:06:53
